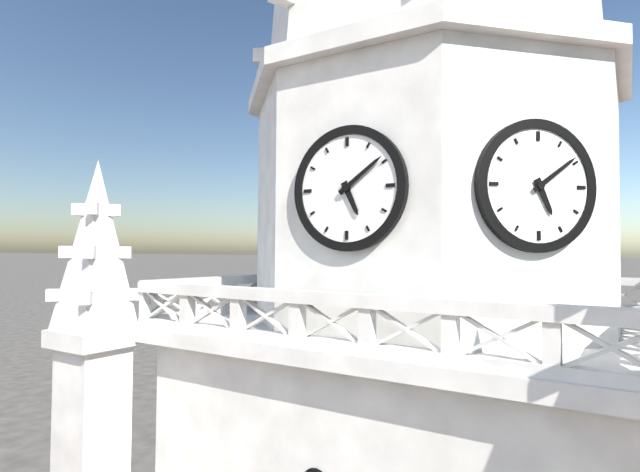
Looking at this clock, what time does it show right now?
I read 5:09
